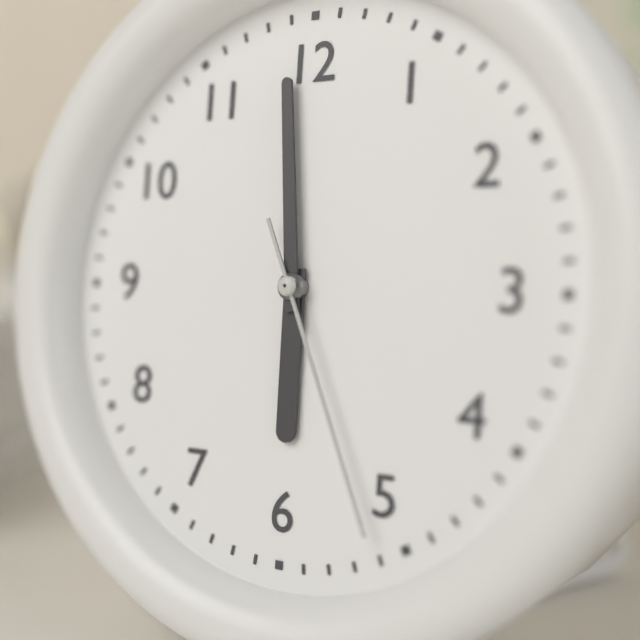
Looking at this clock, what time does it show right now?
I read 5:59:26
